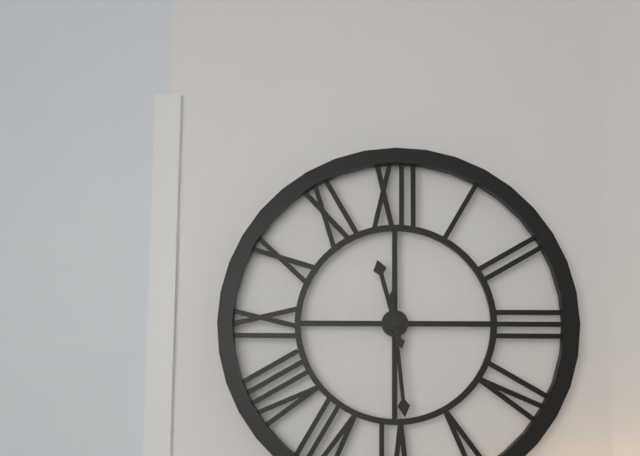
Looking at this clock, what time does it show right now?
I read 11:29
